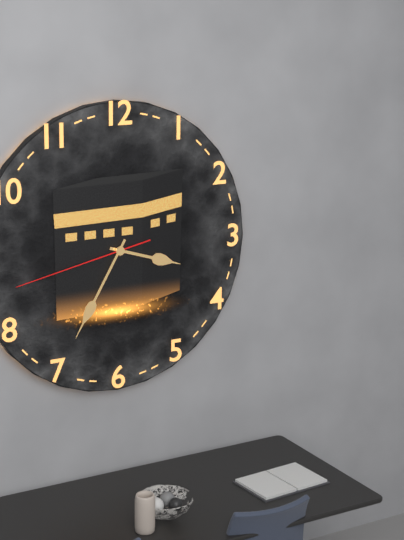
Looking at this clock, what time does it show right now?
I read 3:35:43
